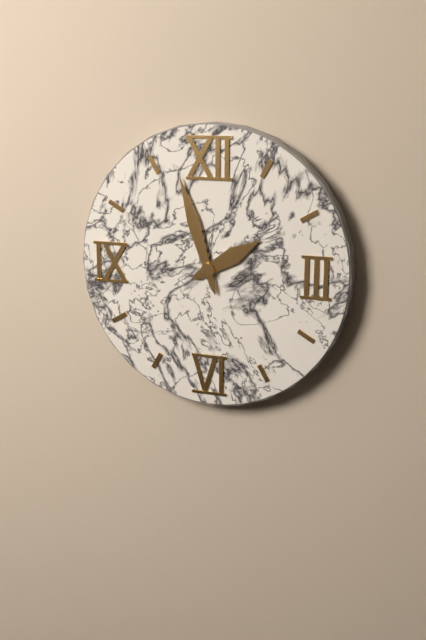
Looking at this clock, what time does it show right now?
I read 1:57
